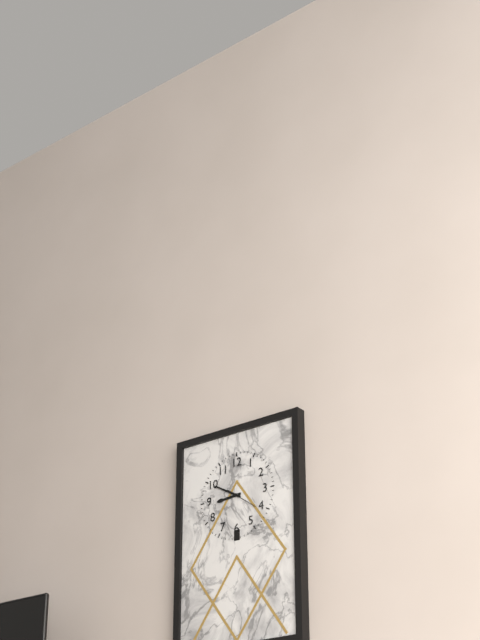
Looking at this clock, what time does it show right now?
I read 8:50
